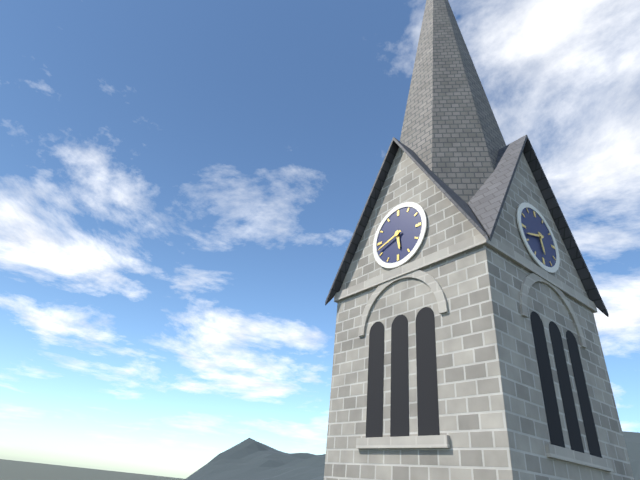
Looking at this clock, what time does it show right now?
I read 5:42
